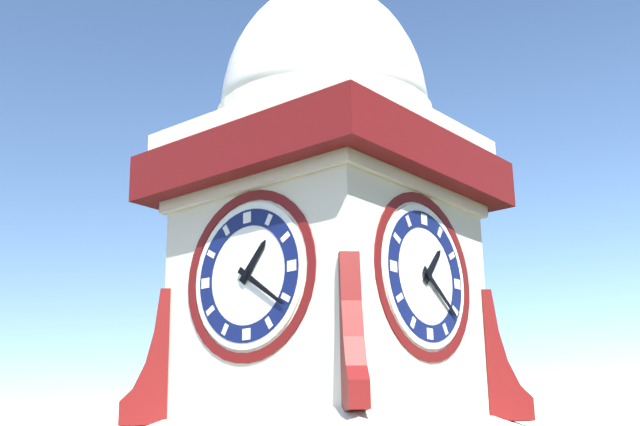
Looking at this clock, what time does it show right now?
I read 1:21
